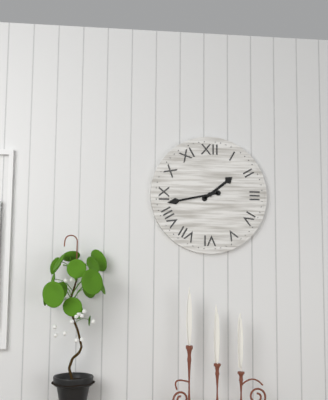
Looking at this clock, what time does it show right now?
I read 1:43
